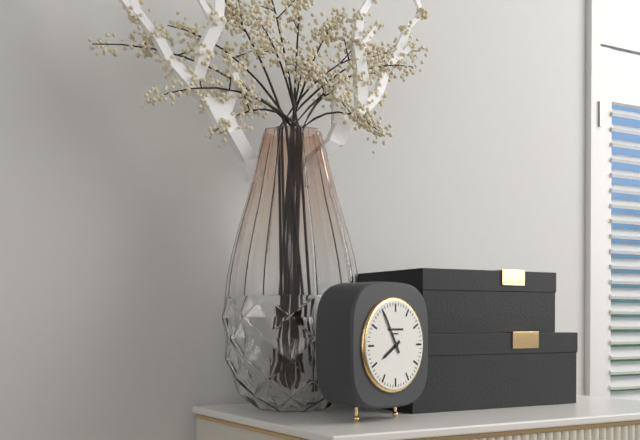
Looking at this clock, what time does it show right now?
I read 7:55
